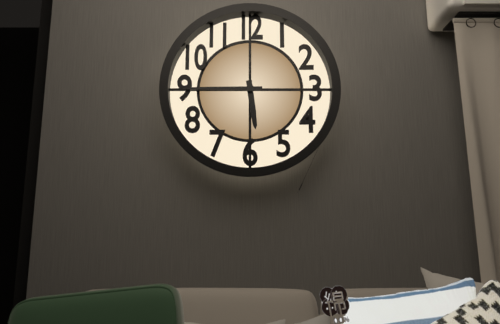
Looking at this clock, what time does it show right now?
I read 5:45
